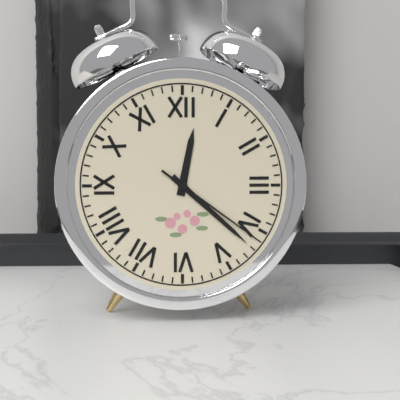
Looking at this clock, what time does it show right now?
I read 12:22:21
